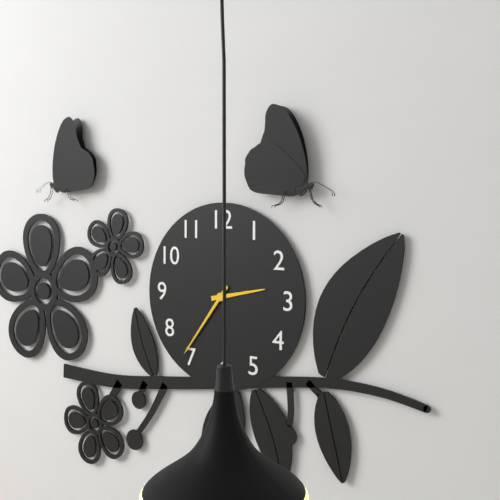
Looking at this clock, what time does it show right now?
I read 2:36
